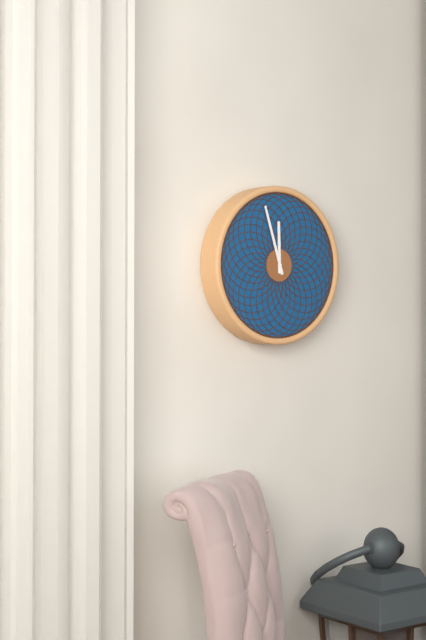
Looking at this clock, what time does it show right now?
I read 11:57
